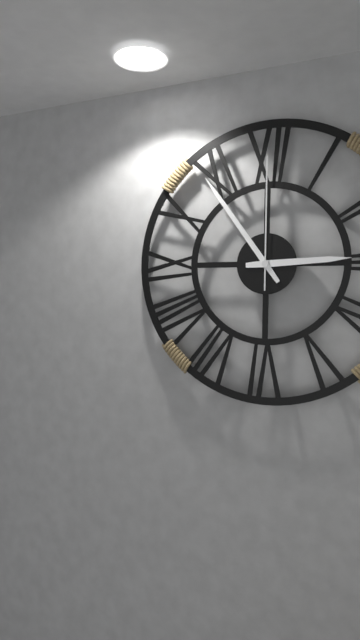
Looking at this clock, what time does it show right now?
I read 2:54:00
